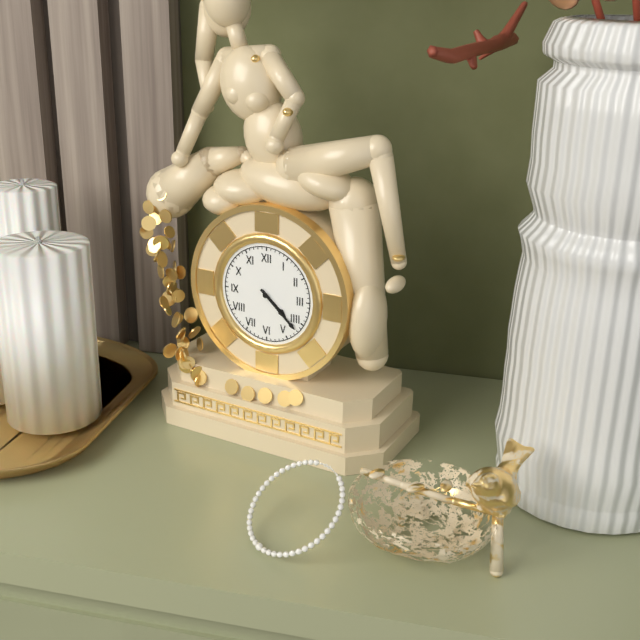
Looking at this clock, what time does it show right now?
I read 4:22
